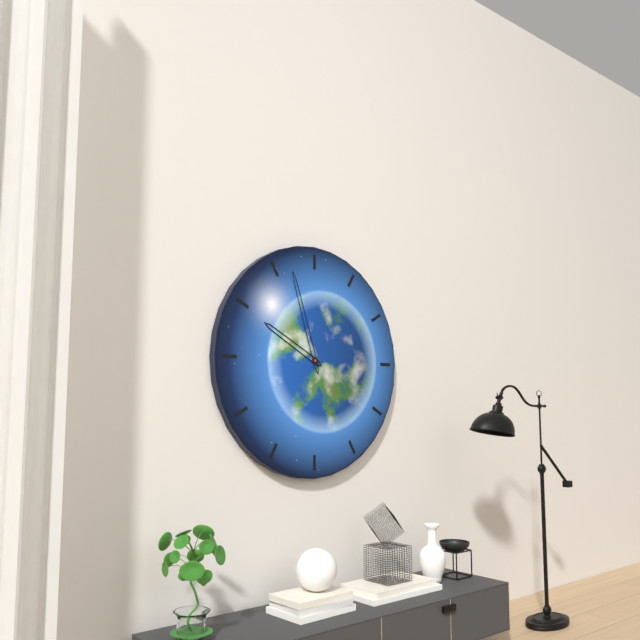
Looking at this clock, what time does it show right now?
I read 9:57
